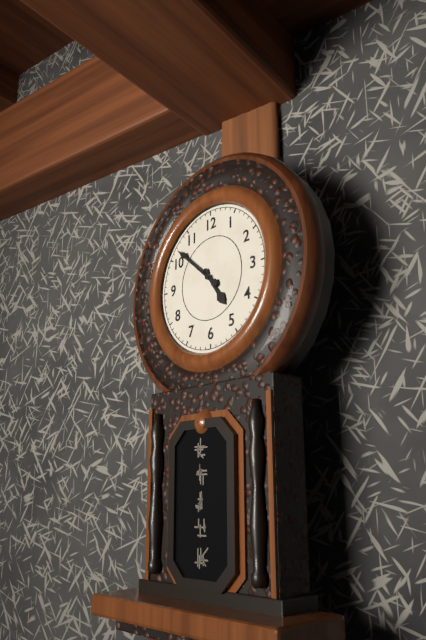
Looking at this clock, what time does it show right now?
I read 4:52
